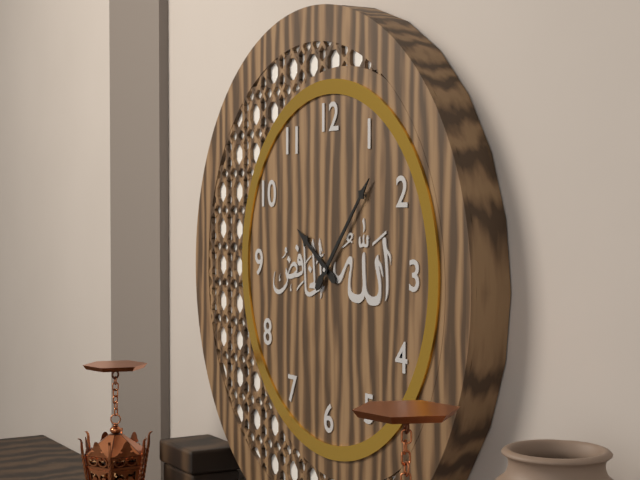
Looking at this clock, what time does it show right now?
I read 10:07
